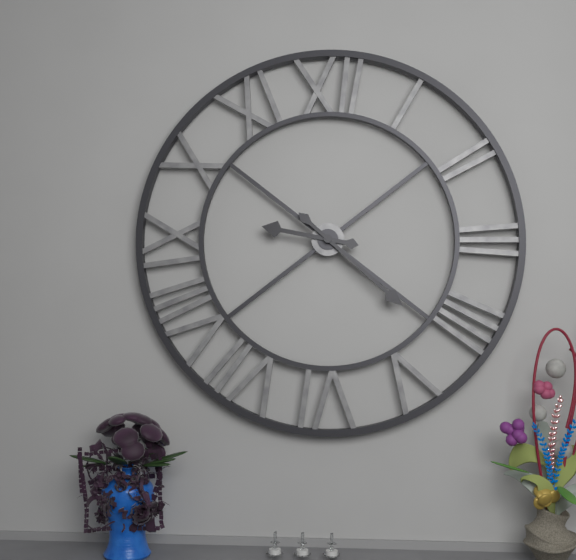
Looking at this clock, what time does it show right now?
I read 9:22
